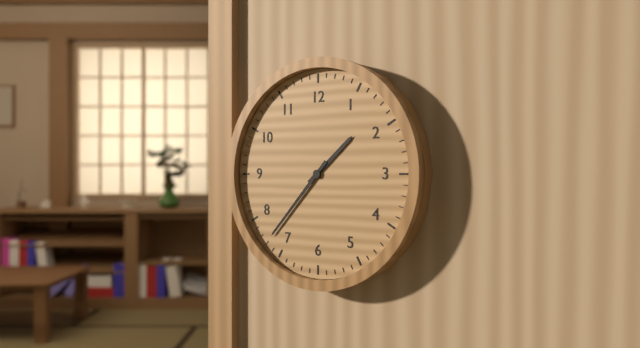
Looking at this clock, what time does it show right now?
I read 1:37
